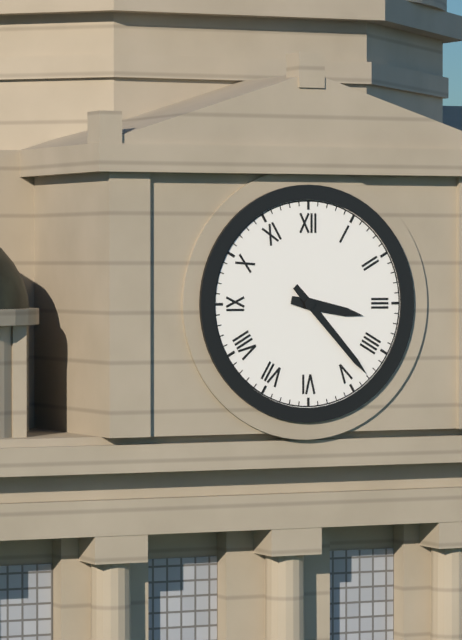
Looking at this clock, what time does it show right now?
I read 3:23
